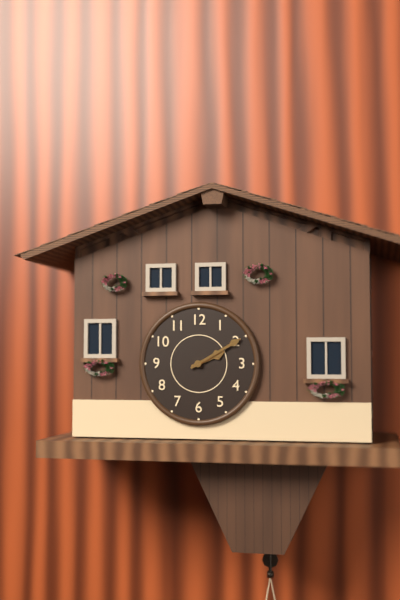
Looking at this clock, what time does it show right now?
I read 2:10
